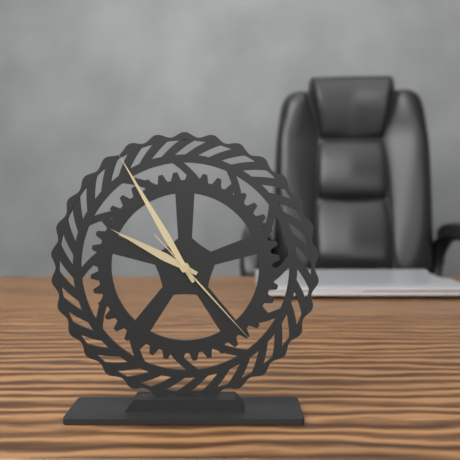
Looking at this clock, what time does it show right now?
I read 9:55:23
